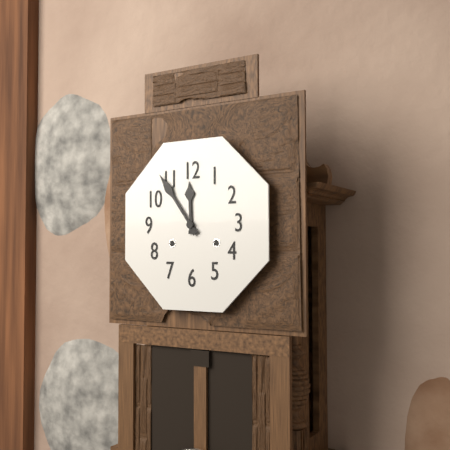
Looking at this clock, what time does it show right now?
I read 11:54
